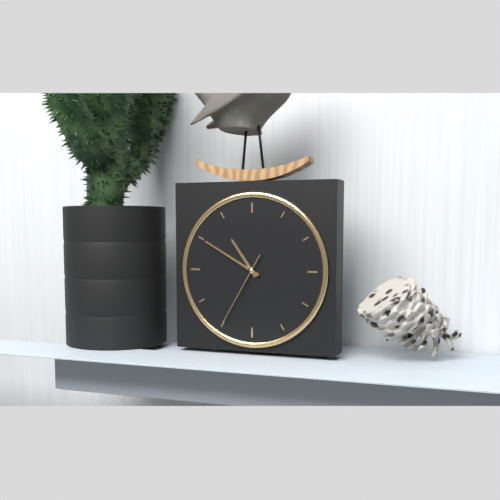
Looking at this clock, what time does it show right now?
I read 10:50:35
